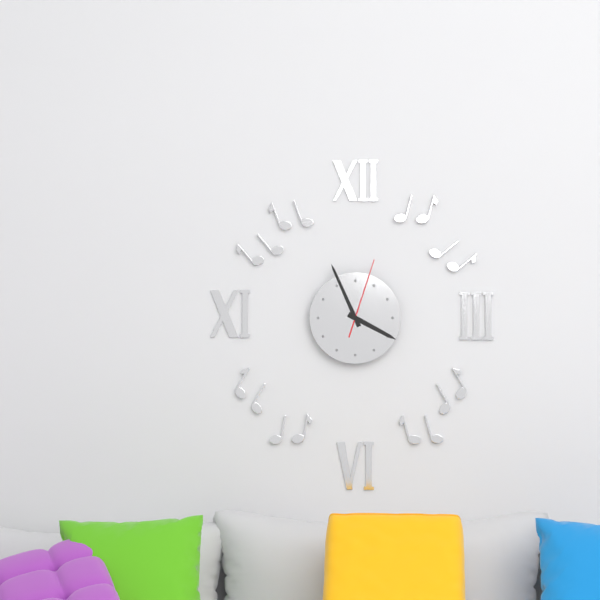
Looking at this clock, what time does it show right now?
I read 3:56:03
